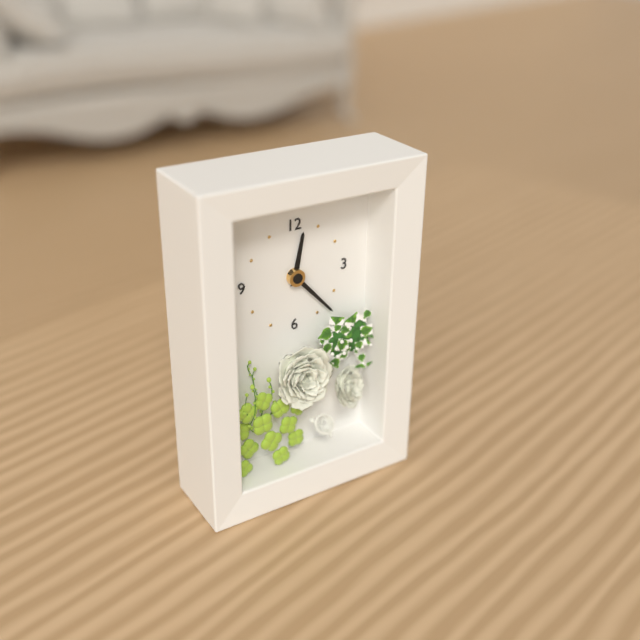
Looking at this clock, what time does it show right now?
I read 12:23
